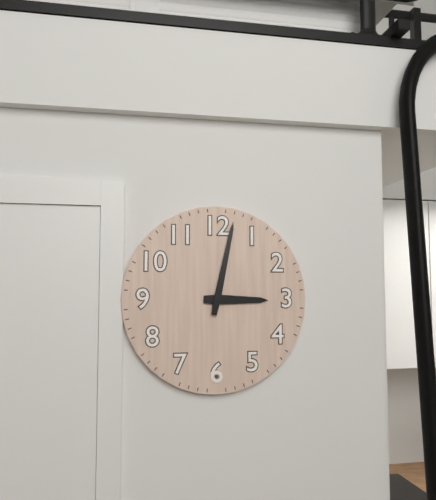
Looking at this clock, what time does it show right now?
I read 3:02
